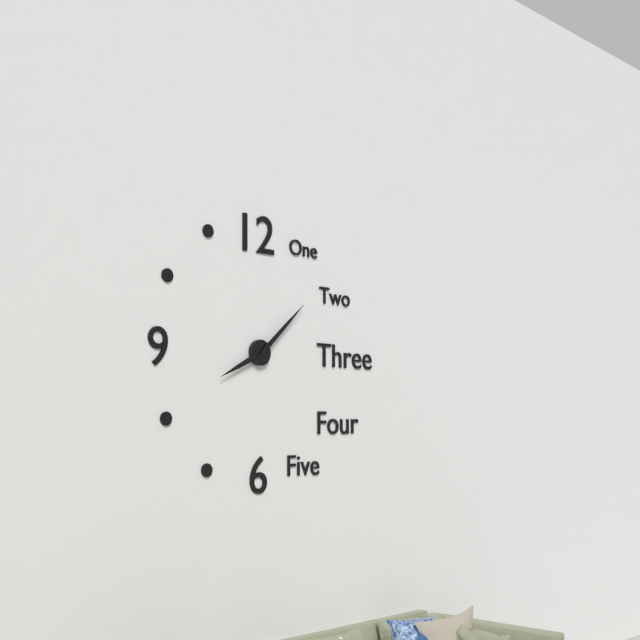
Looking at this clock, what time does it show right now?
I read 8:08
